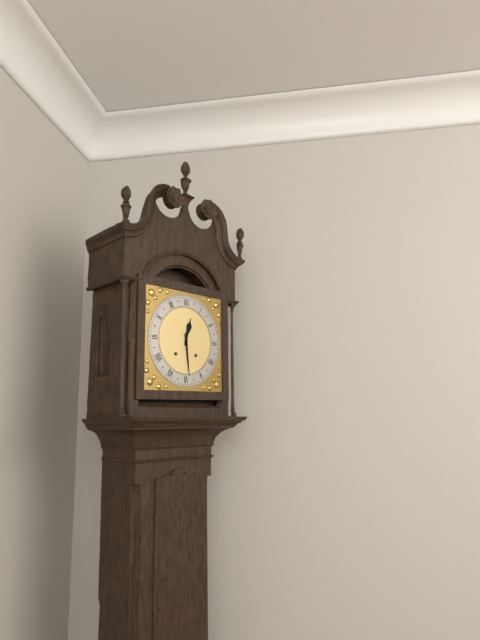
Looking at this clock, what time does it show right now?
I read 12:29
